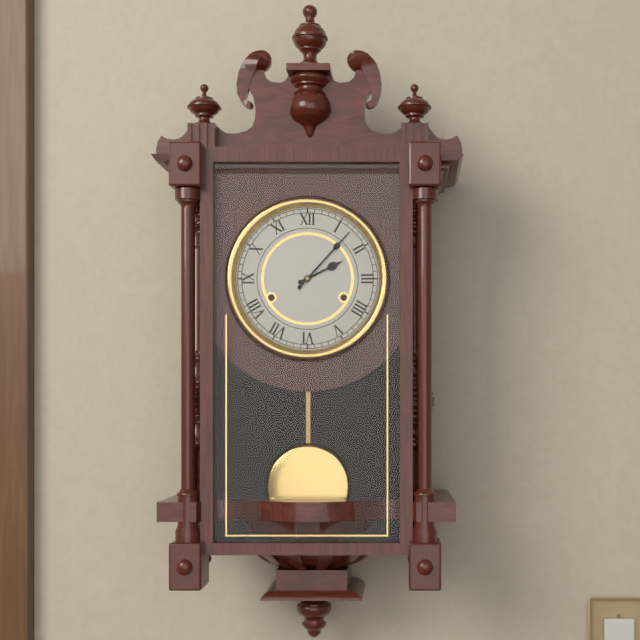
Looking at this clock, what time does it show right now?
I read 2:07
